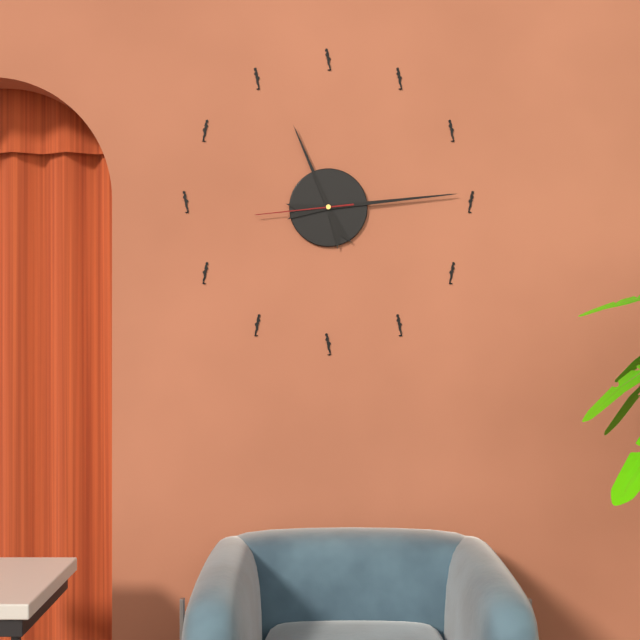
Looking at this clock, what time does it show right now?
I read 11:14:44
